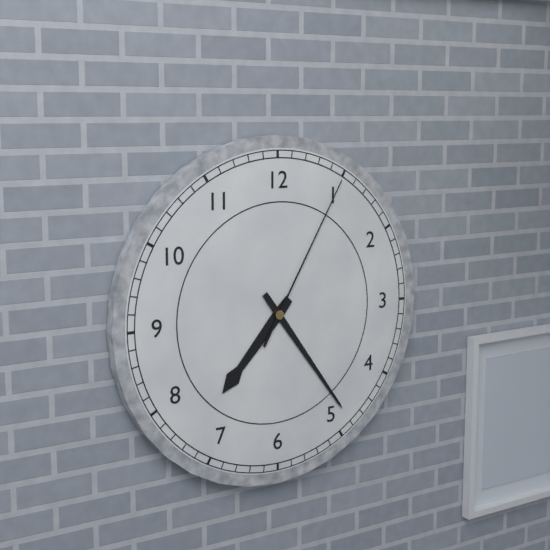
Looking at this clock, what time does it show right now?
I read 7:24:05
